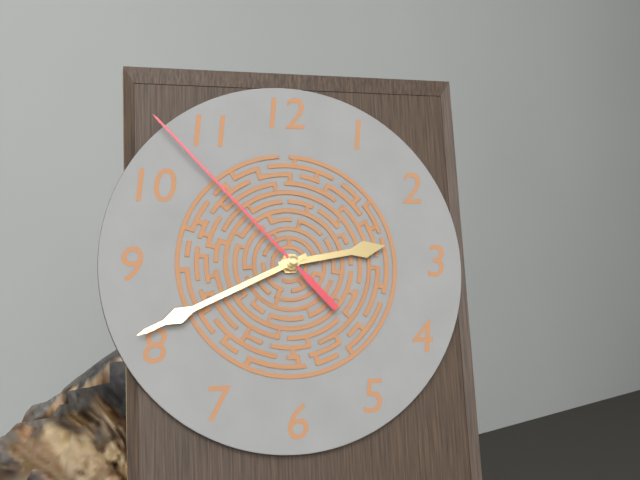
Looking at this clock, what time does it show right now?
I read 2:41:53
